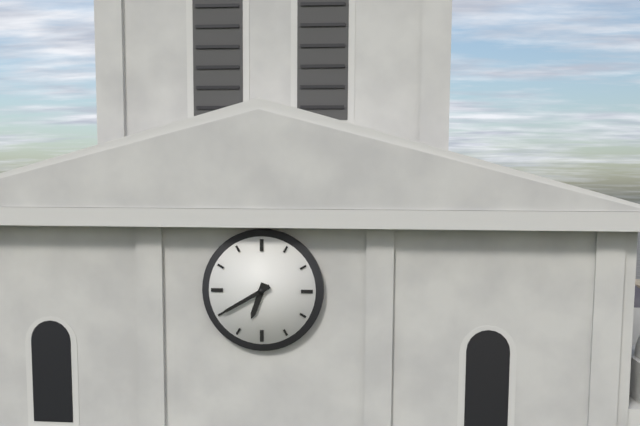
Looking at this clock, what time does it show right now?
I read 6:40
